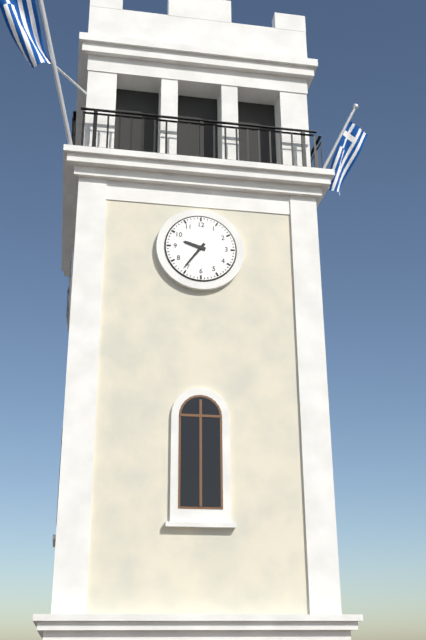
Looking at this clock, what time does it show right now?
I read 9:36
